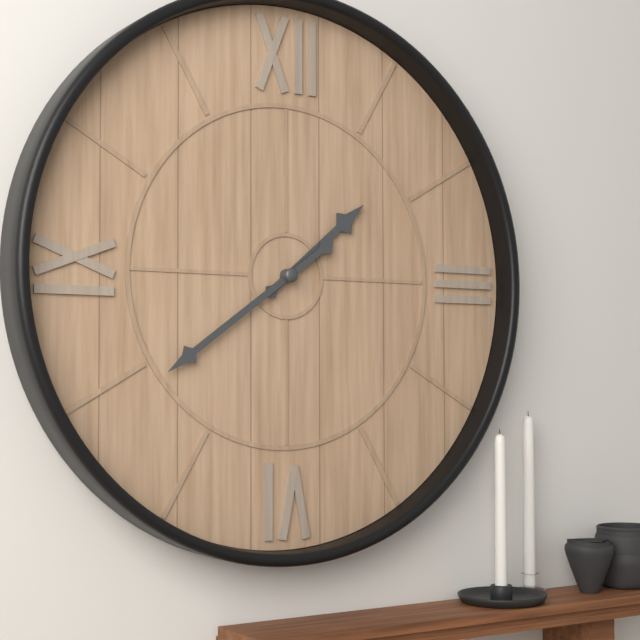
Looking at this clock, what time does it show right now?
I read 1:39
